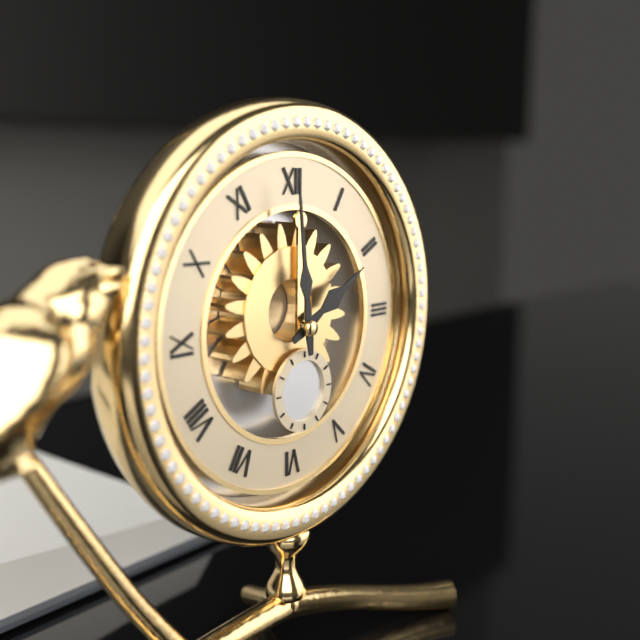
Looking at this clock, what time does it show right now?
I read 1:59
